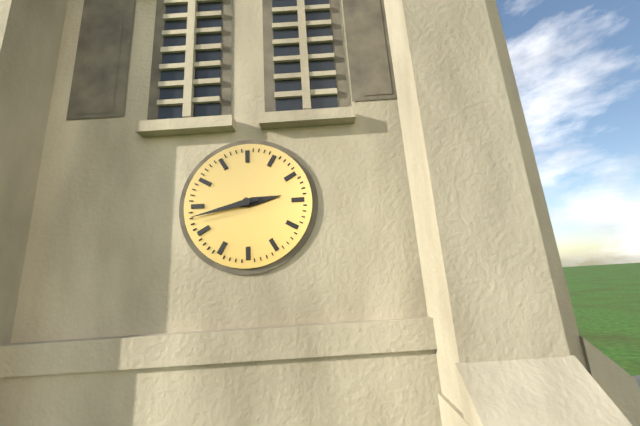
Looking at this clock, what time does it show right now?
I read 2:43
